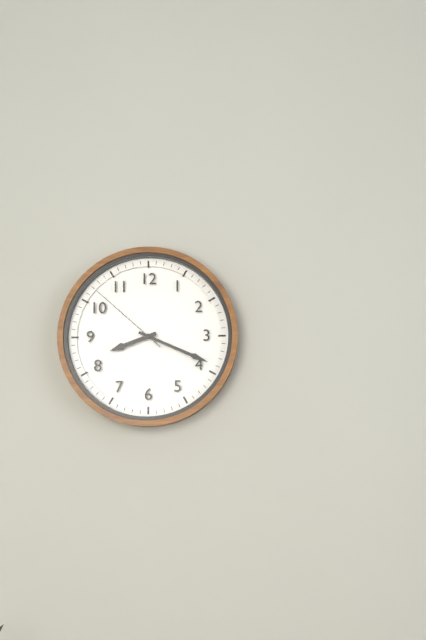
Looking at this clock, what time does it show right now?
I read 8:19:52
